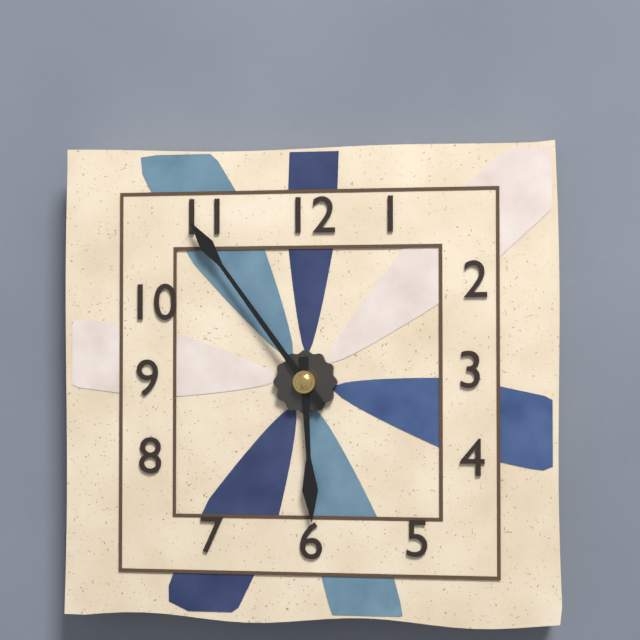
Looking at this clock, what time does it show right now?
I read 5:54
